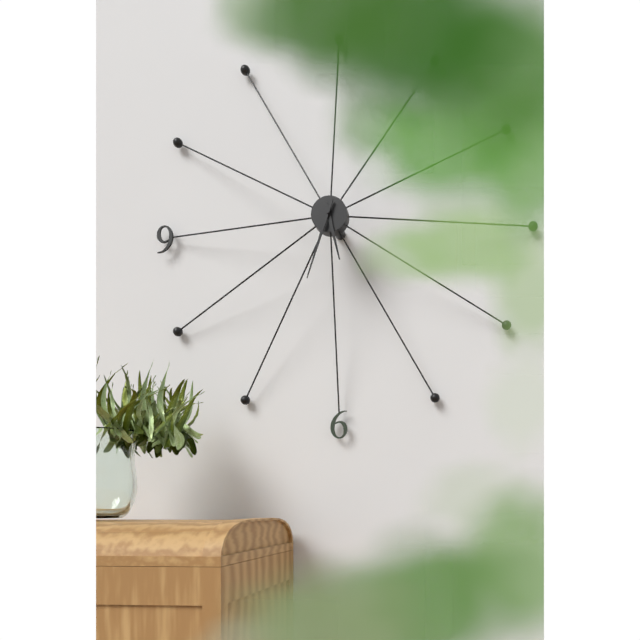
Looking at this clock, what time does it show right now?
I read 5:33
